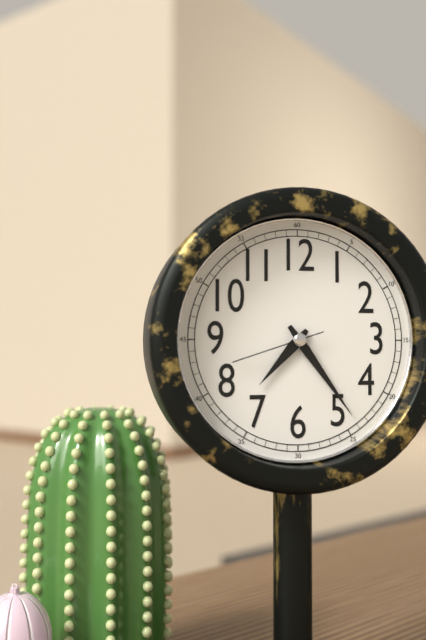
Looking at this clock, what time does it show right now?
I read 7:24:42
